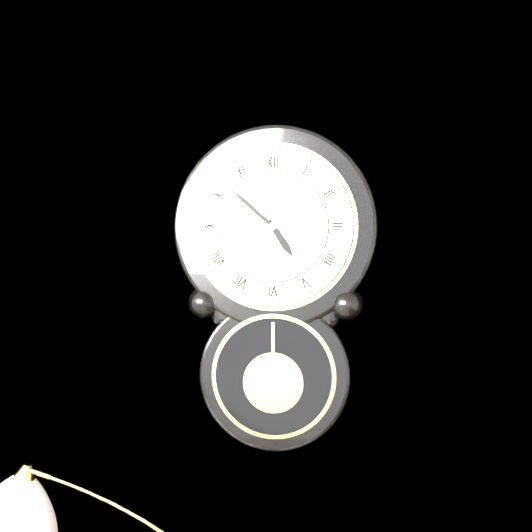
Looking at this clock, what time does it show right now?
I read 4:52
